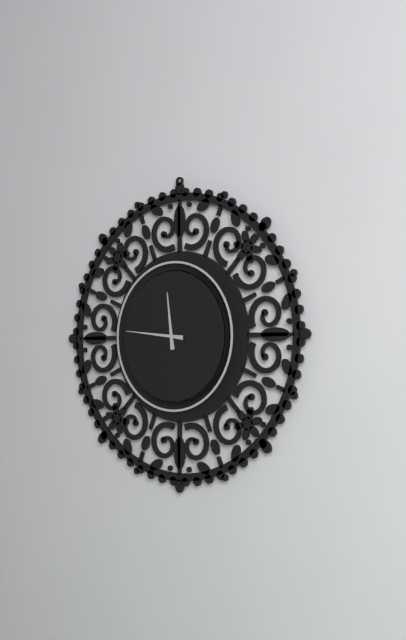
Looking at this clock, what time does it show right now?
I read 11:46
